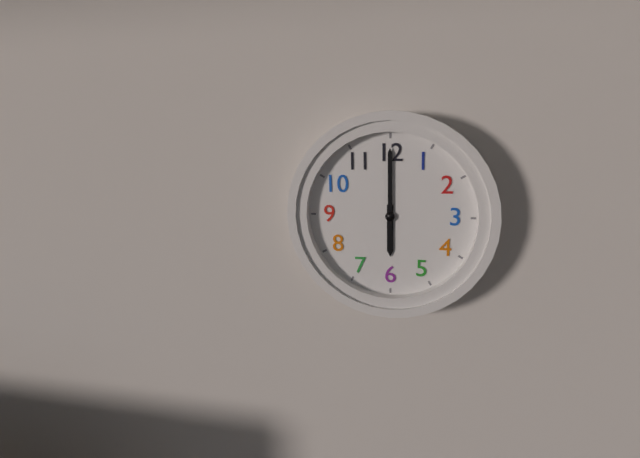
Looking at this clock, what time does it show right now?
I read 6:00
